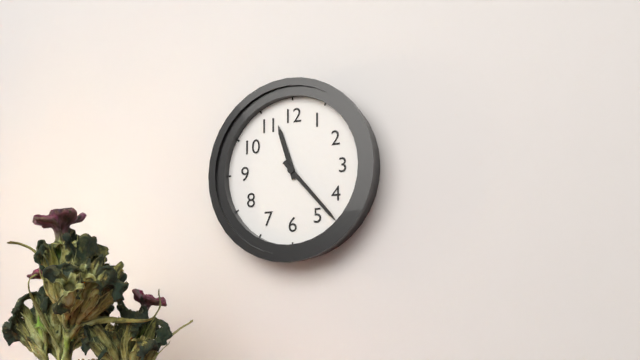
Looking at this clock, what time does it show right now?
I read 11:23
